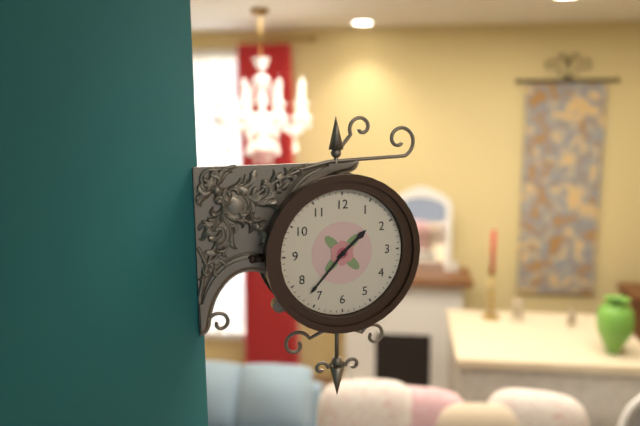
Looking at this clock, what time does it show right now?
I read 1:37
